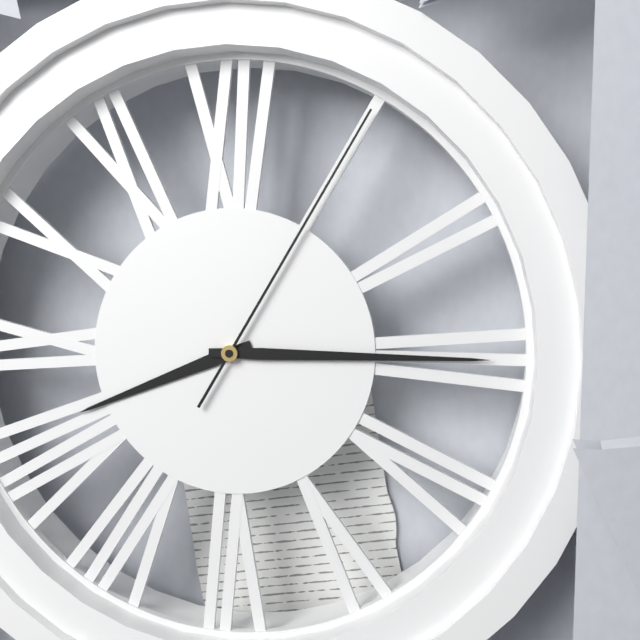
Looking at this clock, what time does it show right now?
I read 8:15:05
